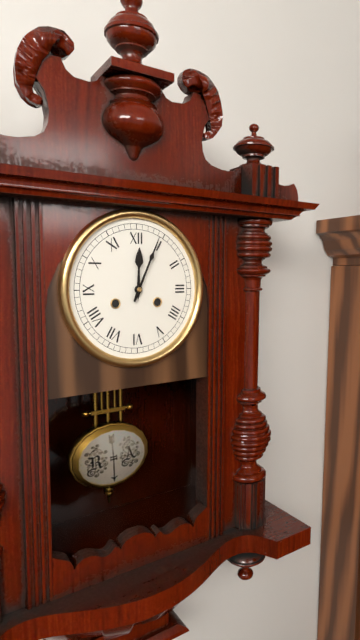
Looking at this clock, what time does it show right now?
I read 12:04
